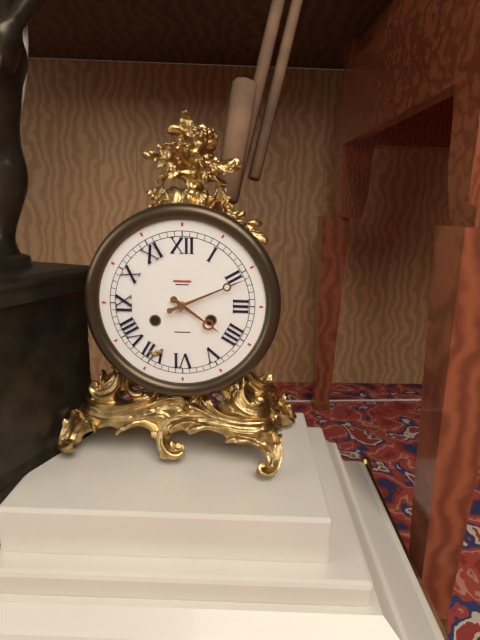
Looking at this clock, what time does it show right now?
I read 4:11
